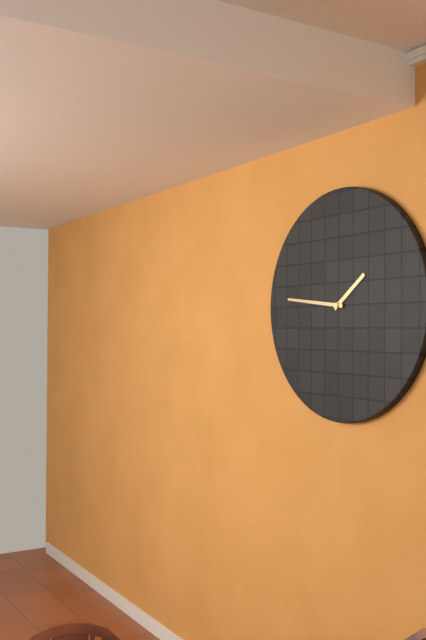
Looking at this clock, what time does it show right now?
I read 1:46
